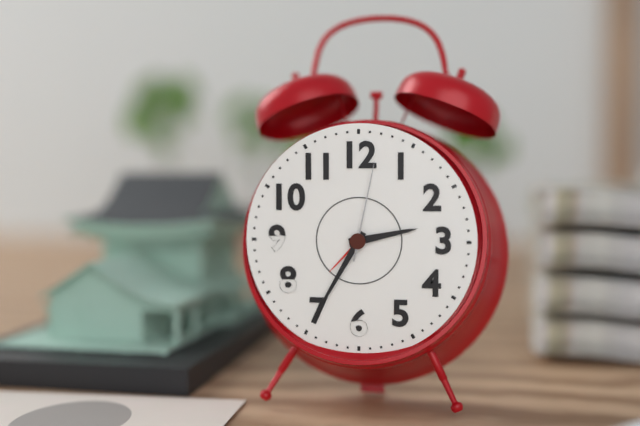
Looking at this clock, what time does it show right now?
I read 2:35:02
